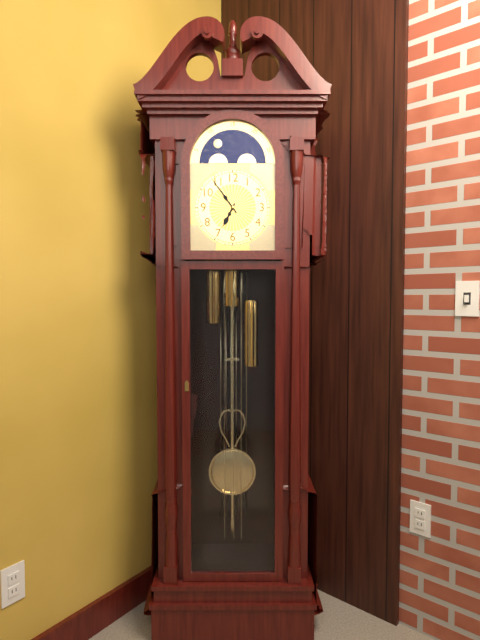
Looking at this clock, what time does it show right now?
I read 6:54
